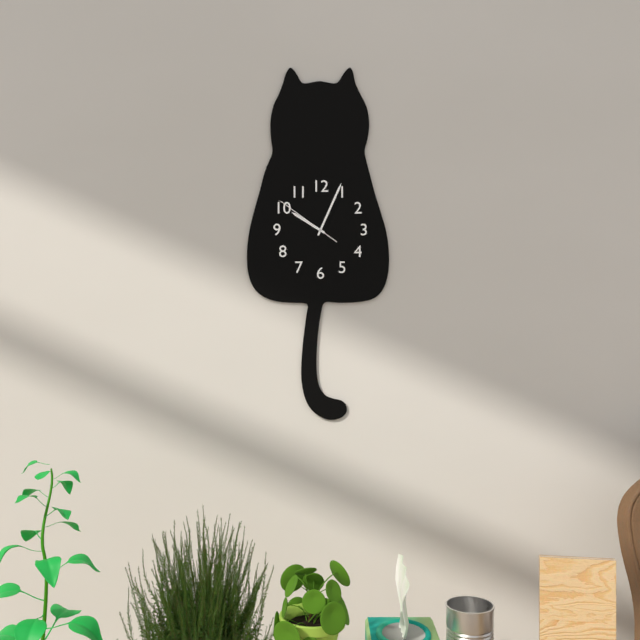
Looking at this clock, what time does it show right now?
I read 10:04:51
